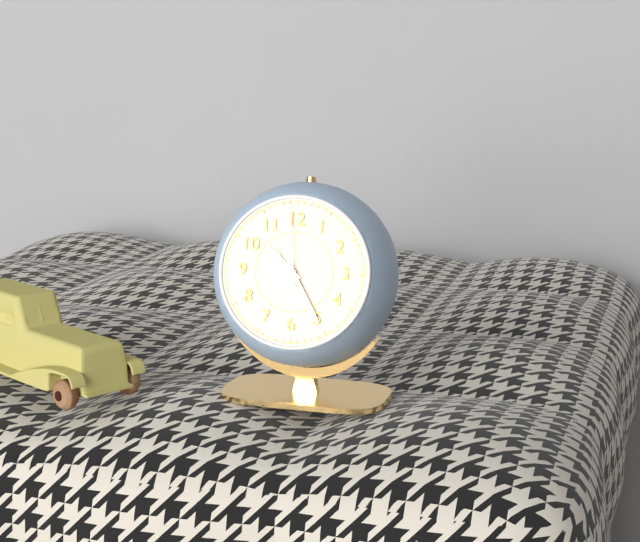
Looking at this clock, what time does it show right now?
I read 10:25:59
